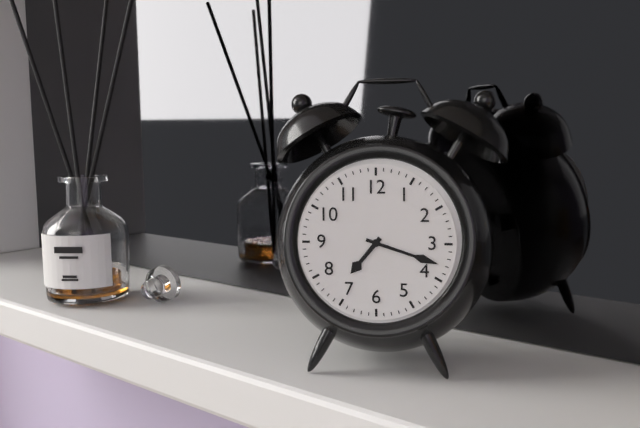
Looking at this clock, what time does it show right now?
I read 7:18
